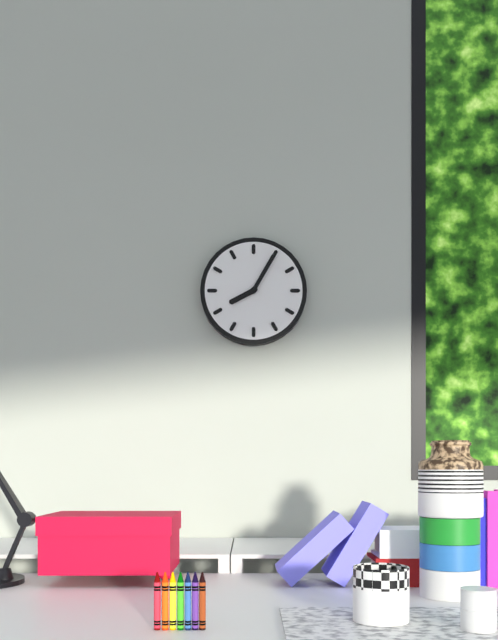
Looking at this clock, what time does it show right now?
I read 8:05
